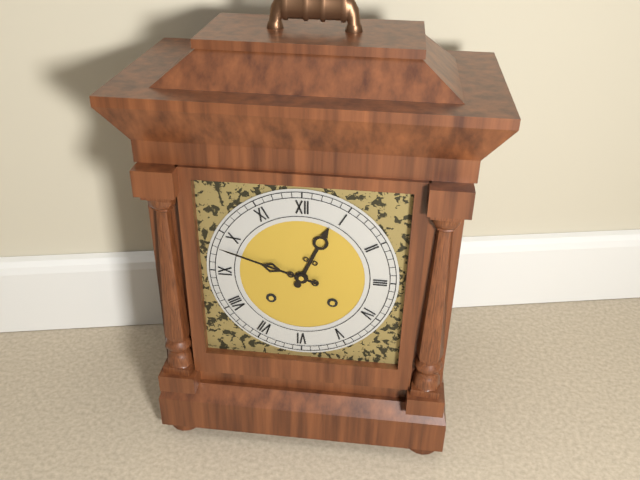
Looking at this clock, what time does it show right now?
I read 12:48
